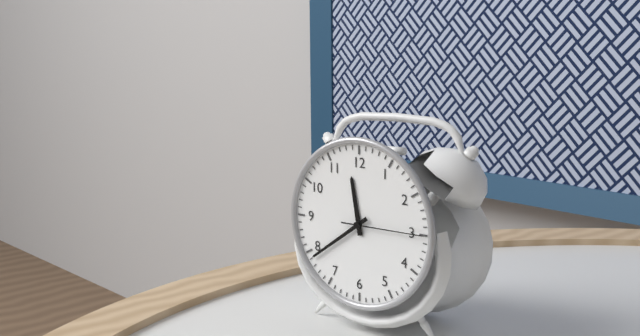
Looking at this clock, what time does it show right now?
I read 11:39:15
